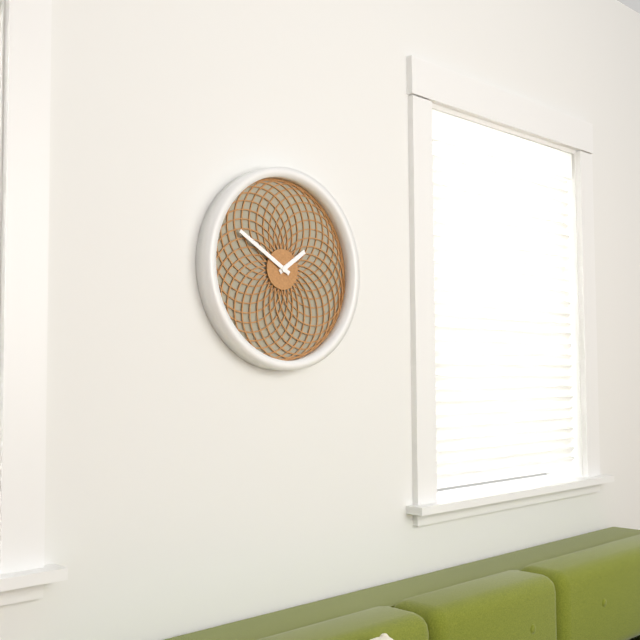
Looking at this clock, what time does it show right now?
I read 1:50
